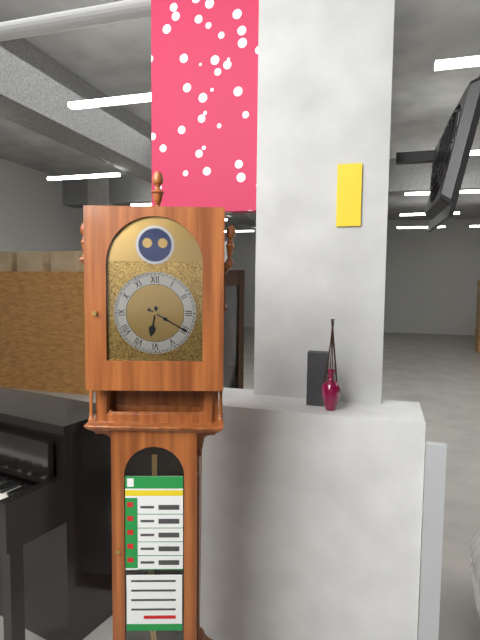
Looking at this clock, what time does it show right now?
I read 6:20
